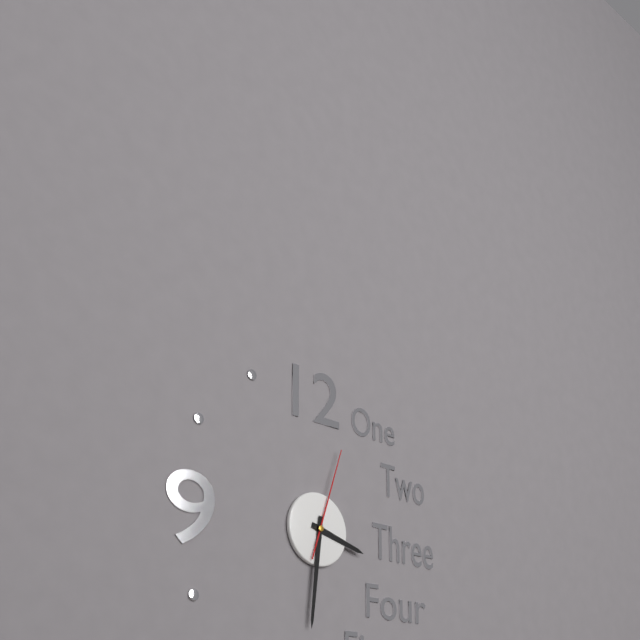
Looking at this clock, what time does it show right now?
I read 3:31:03
